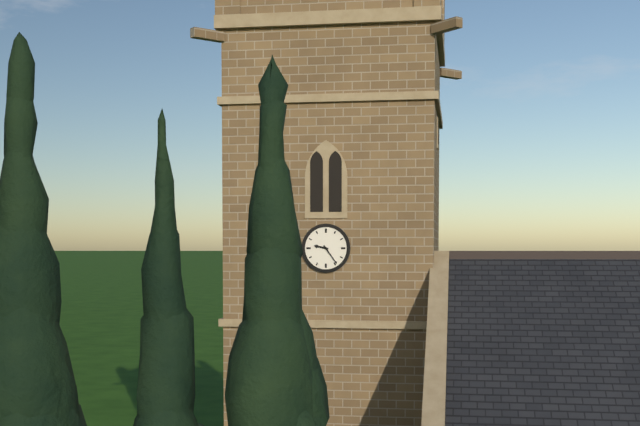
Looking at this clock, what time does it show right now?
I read 9:24
